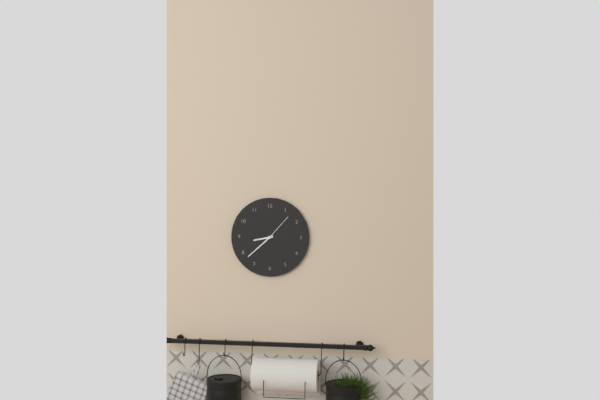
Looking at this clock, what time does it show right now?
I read 8:38
